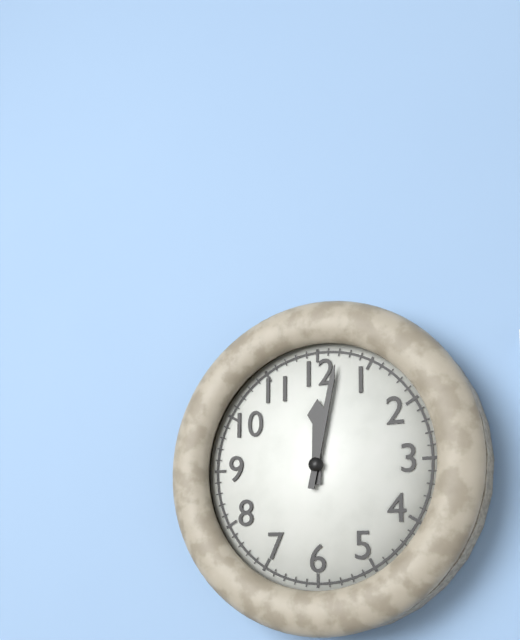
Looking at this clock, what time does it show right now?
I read 12:02
